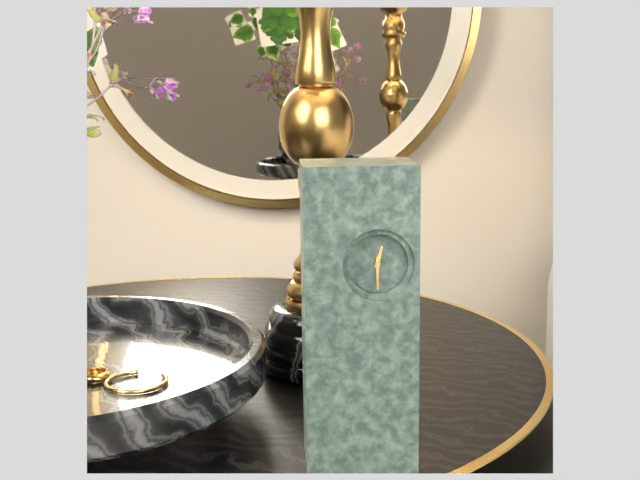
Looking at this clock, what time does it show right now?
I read 12:30
